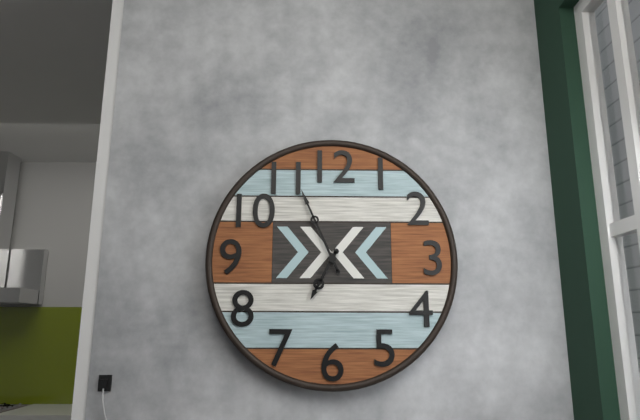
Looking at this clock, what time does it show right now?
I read 6:56
